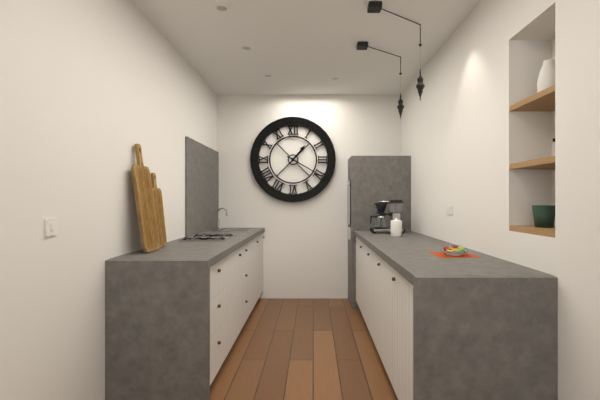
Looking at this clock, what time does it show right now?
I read 1:20
